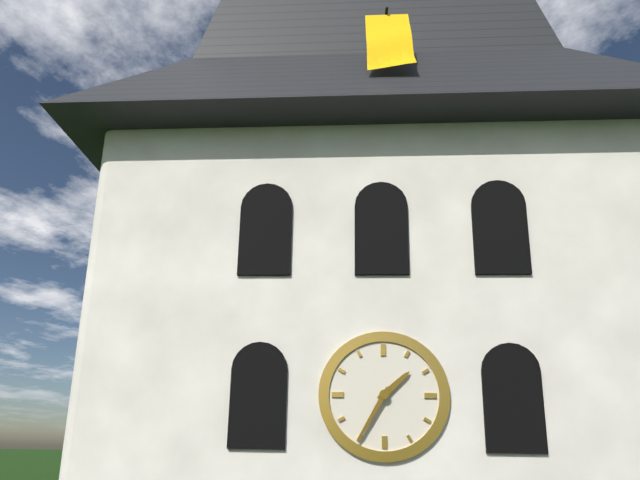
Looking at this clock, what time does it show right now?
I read 1:35
